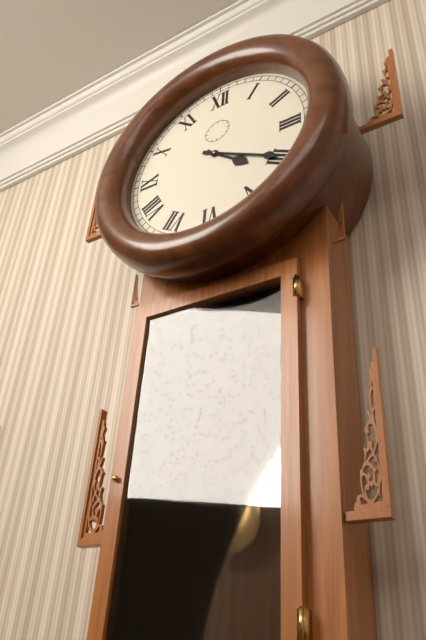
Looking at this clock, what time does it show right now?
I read 4:20
